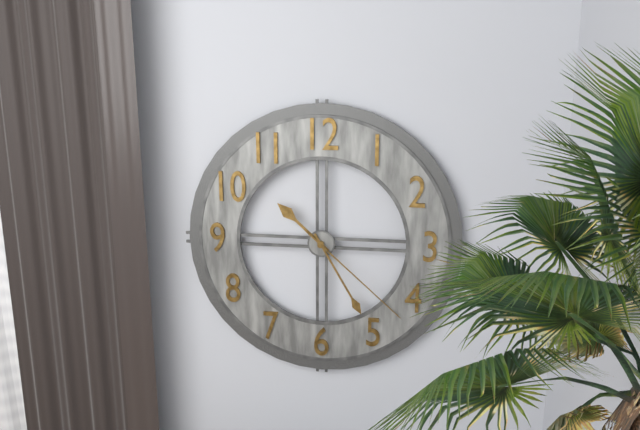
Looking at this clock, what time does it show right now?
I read 10:25:22
